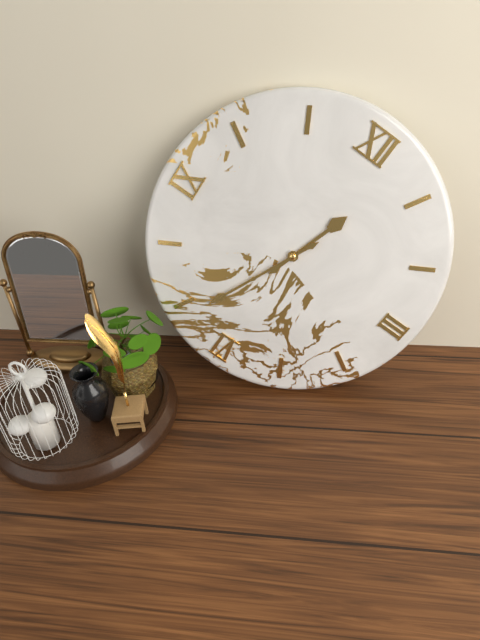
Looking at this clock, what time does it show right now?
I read 12:34
